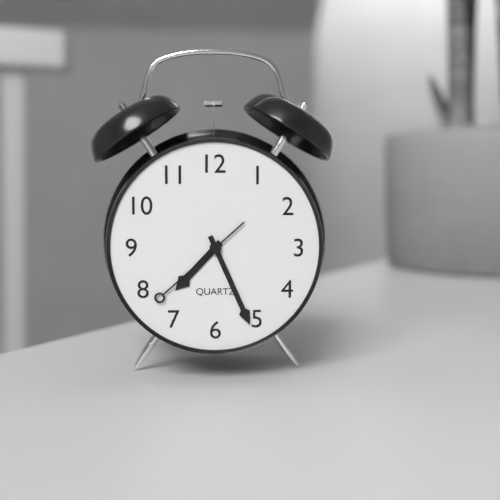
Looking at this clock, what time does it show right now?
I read 7:26:38
